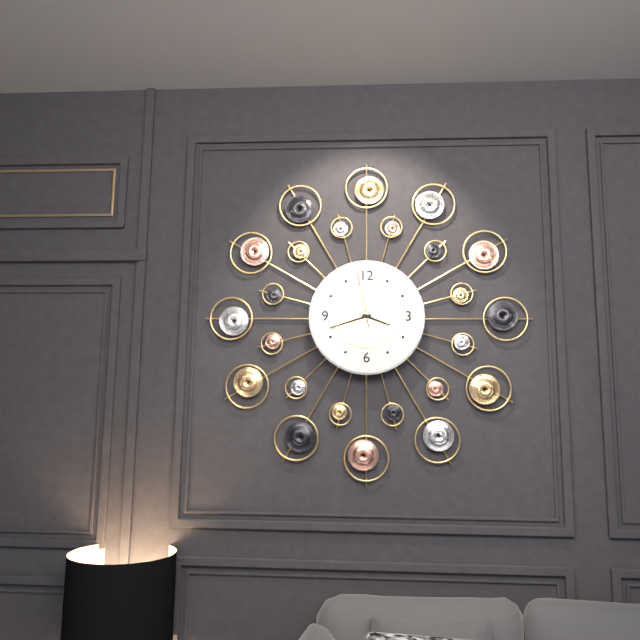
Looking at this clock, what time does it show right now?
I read 3:42:58
